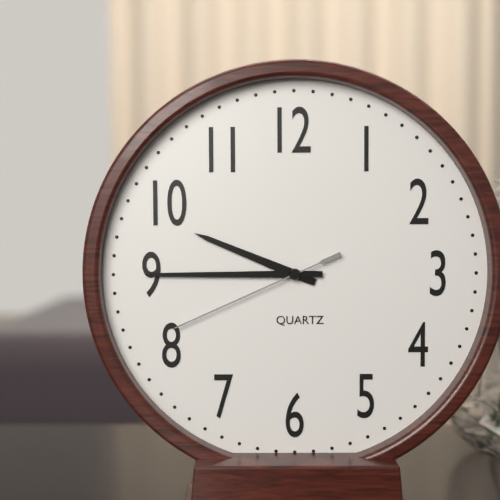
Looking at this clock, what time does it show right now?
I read 9:45:41
